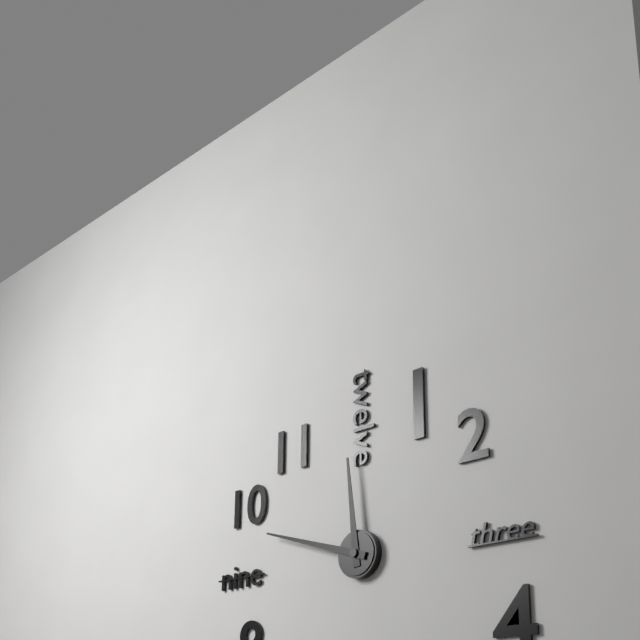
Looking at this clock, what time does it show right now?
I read 11:48
